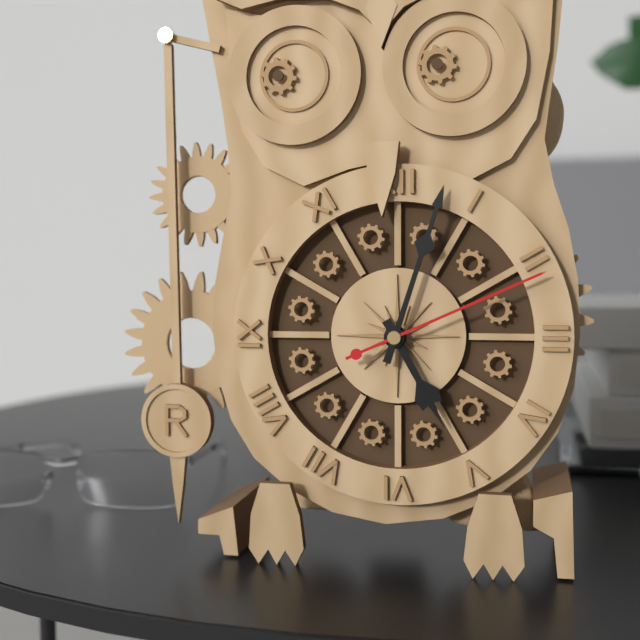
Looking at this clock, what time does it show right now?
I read 5:03:11
